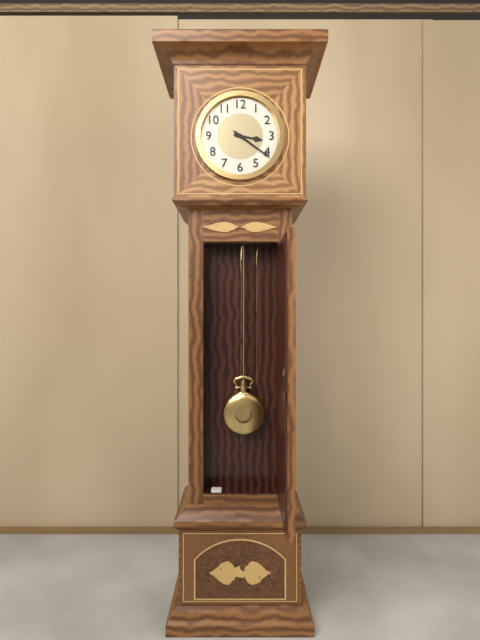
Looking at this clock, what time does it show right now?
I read 3:21
